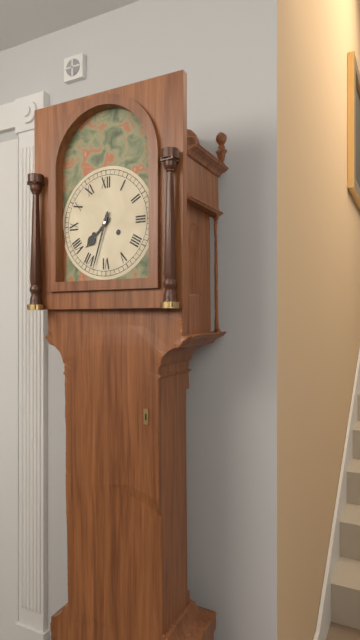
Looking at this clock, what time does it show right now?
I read 7:33
